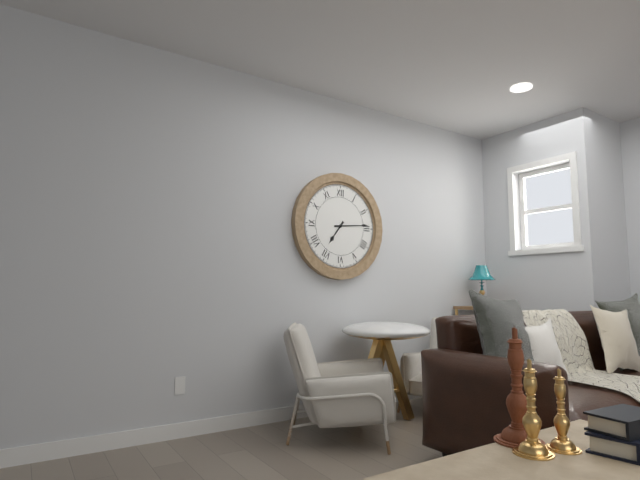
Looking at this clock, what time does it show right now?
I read 7:14
